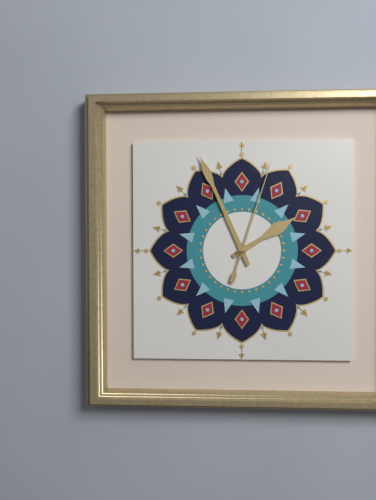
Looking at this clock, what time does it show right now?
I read 1:56:03
